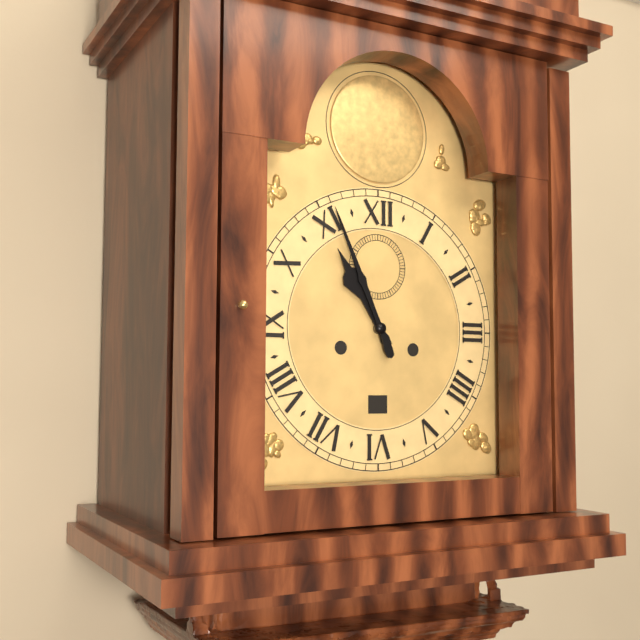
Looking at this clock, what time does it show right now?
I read 10:56
